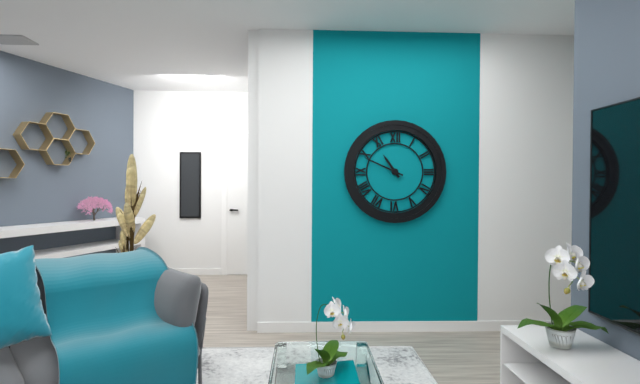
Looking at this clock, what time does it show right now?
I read 10:49
